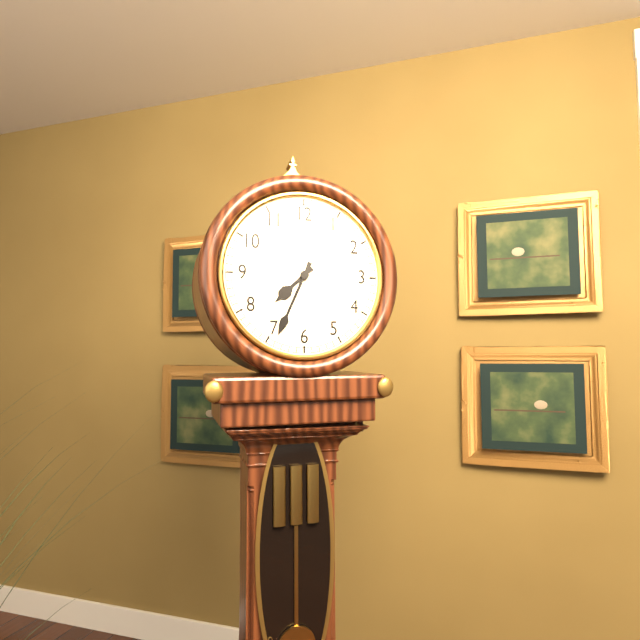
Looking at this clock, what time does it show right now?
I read 7:34
